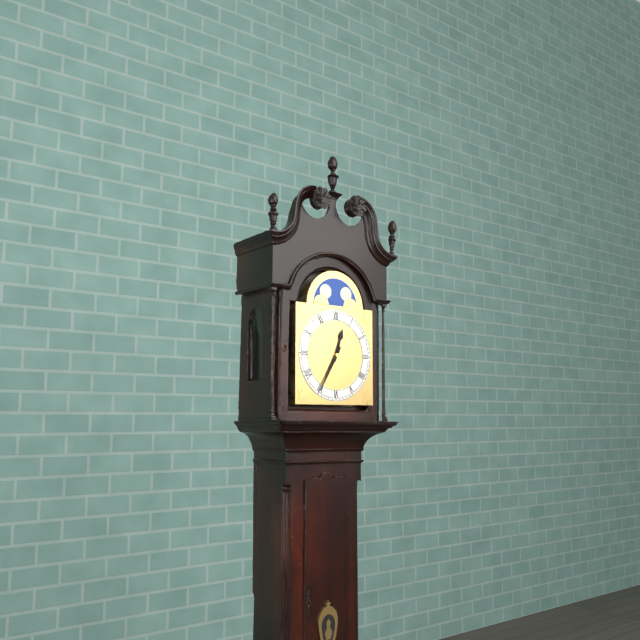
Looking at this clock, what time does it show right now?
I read 12:35
